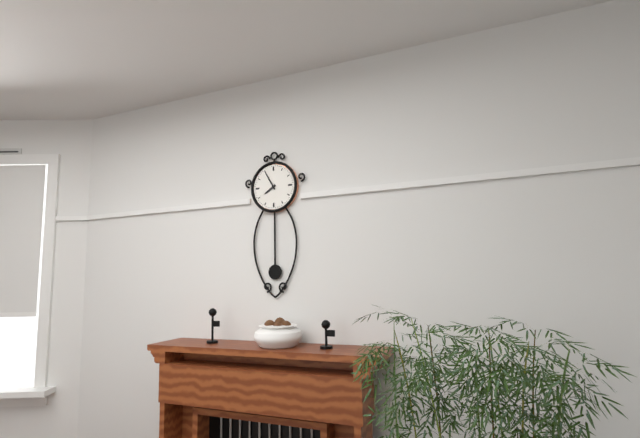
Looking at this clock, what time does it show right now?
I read 7:55
